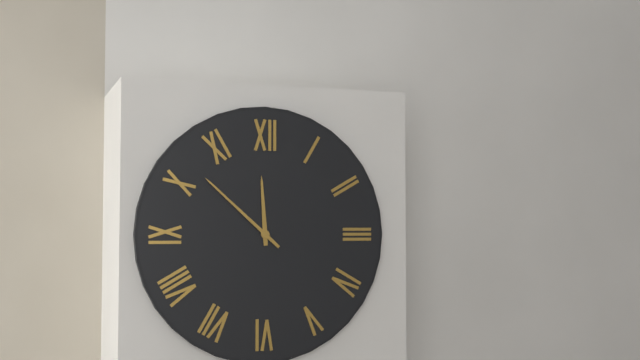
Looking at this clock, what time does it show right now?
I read 11:52
